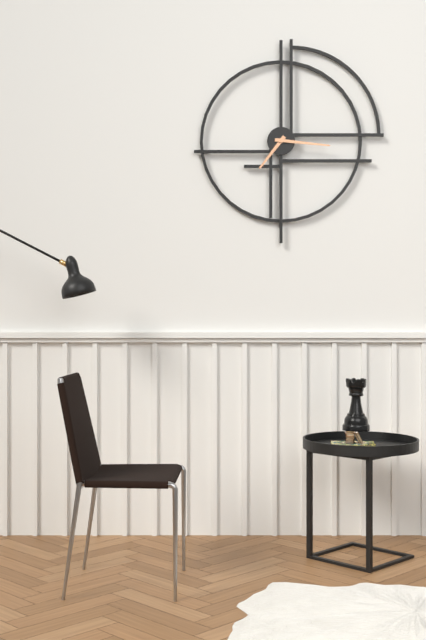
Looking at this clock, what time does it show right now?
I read 7:16
